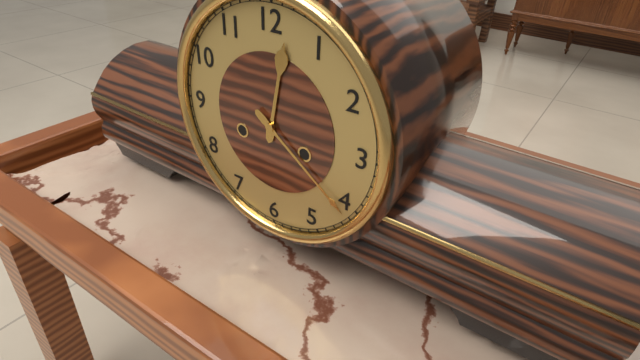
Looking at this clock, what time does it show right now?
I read 12:21
